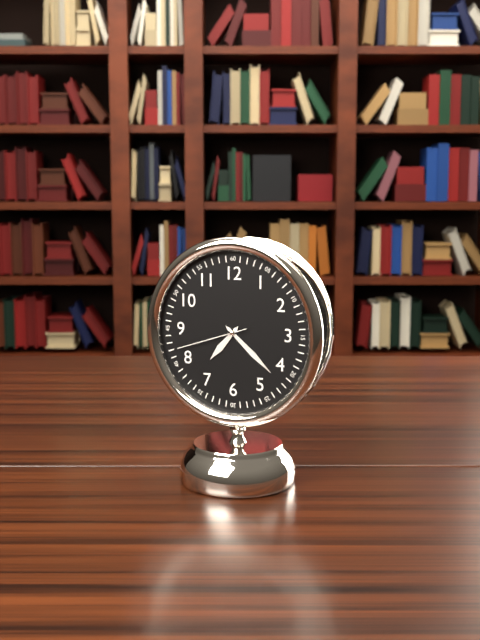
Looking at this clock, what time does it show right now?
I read 7:22:42
